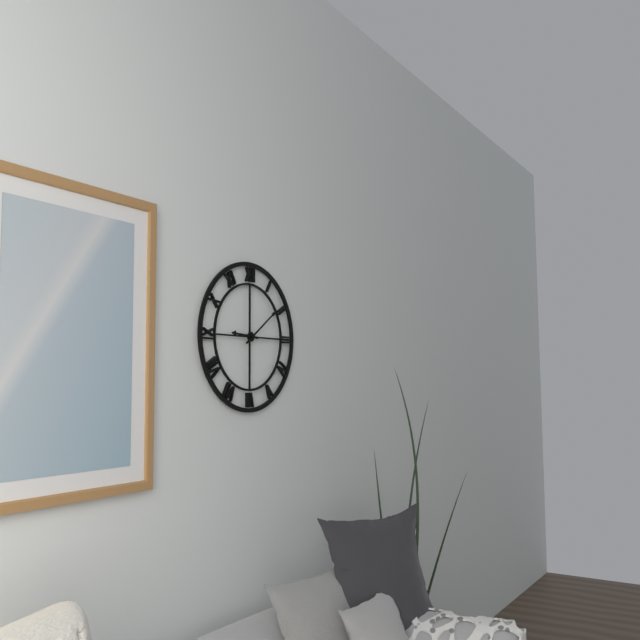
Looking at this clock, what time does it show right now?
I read 9:09
